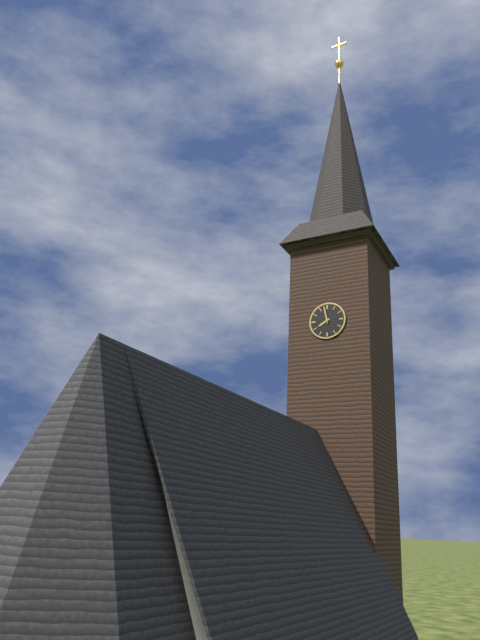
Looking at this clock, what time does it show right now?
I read 7:58
